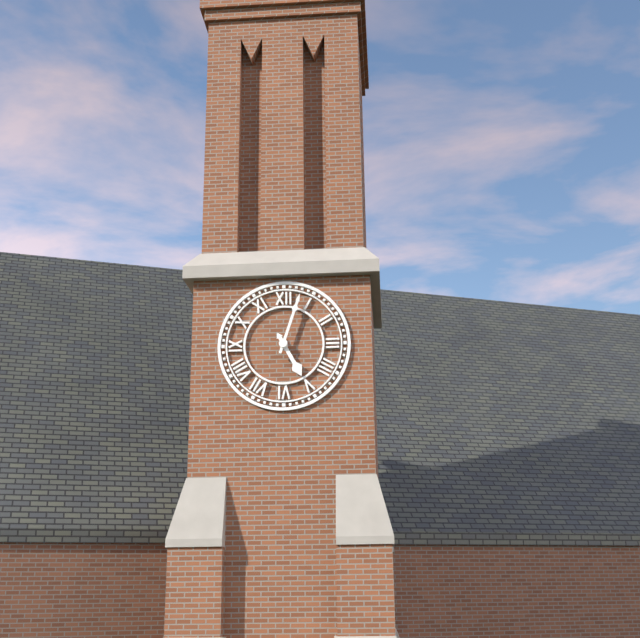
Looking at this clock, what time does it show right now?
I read 5:03
